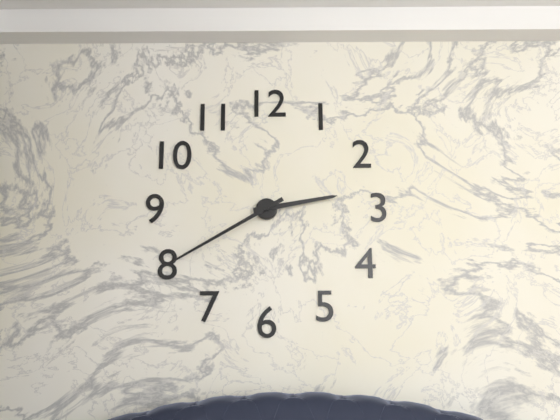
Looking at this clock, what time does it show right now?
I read 2:40
